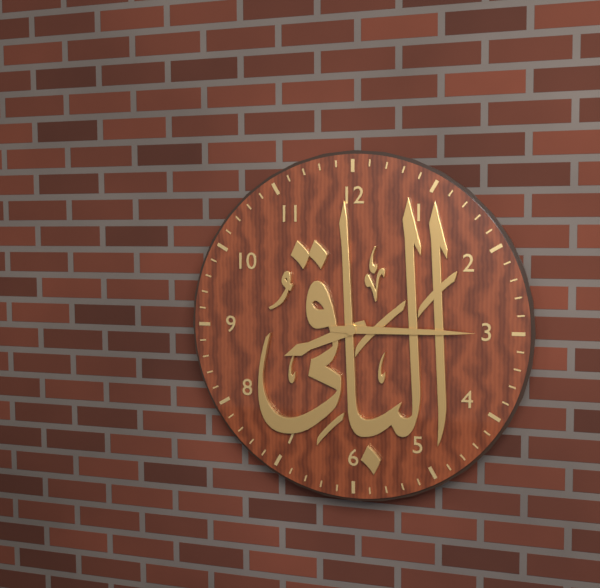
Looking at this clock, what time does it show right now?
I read 8:15
